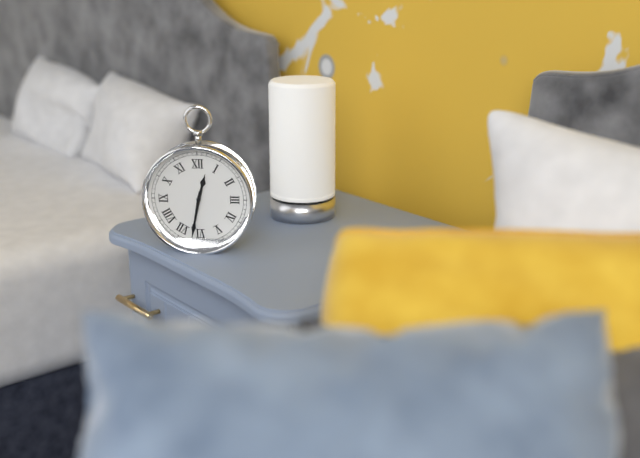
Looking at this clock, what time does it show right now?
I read 12:32
